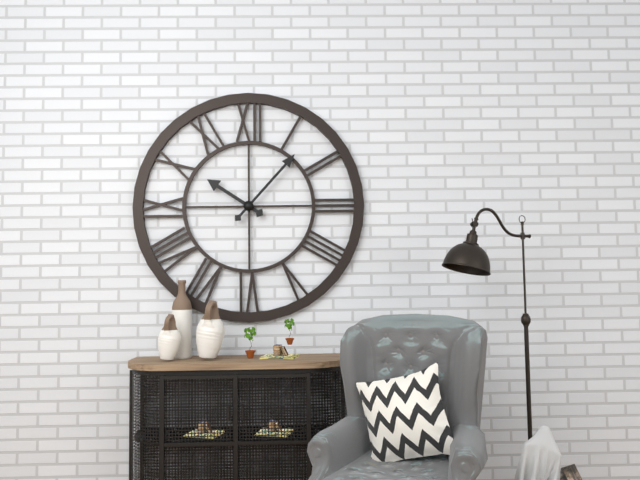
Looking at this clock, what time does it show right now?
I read 10:07
